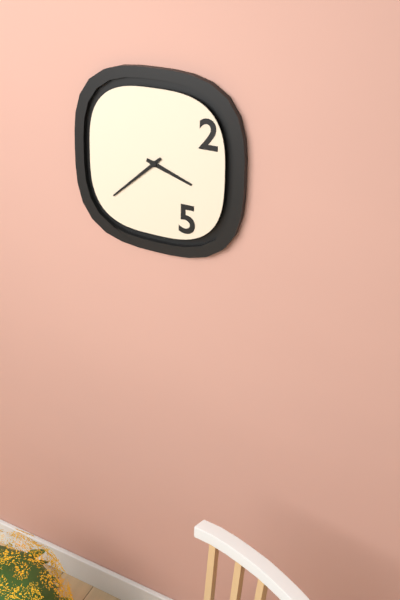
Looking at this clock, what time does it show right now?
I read 3:38
